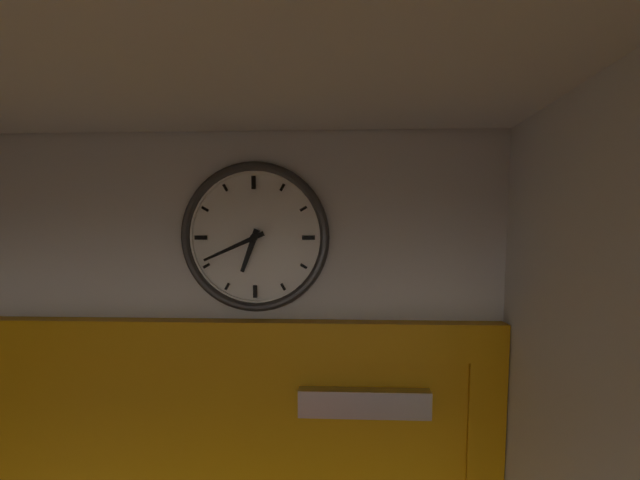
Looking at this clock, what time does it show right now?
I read 6:41
